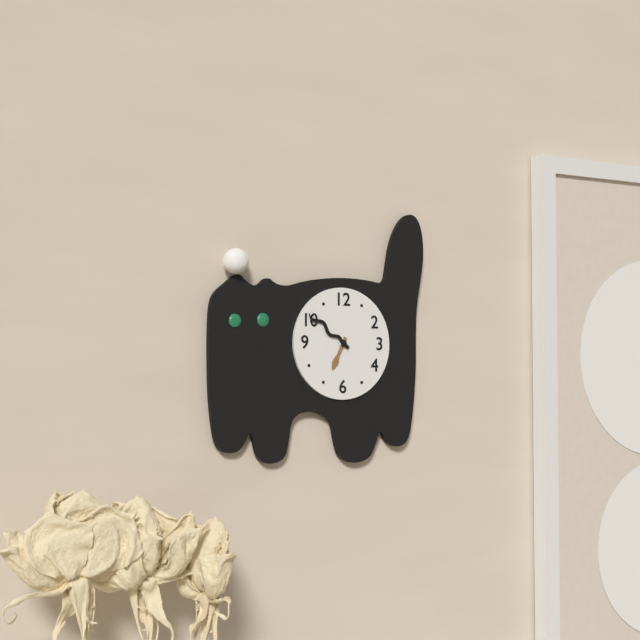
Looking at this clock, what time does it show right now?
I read 6:51
